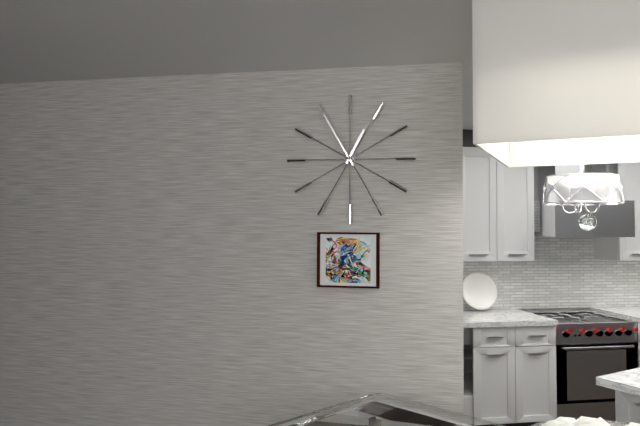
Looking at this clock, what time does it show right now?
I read 12:55
